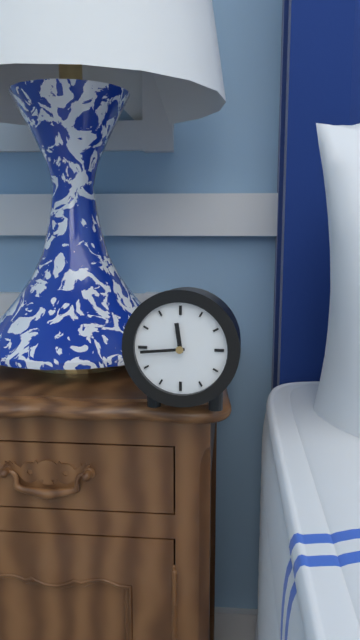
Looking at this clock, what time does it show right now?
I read 11:44
